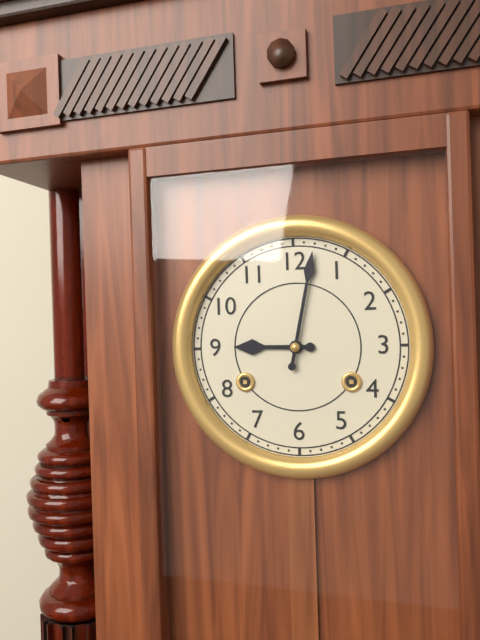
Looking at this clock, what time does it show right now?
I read 9:02
